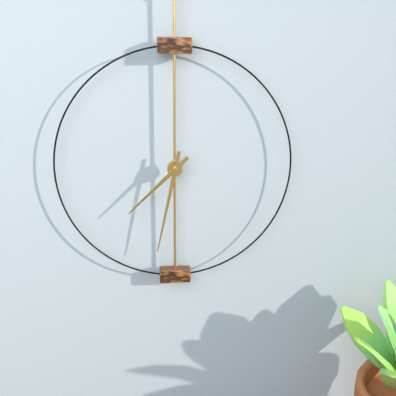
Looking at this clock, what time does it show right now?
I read 7:32
